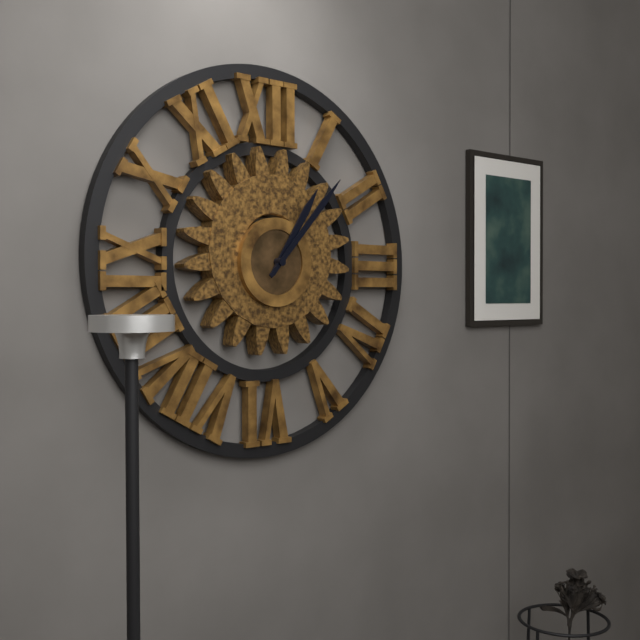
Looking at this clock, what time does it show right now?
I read 1:07
